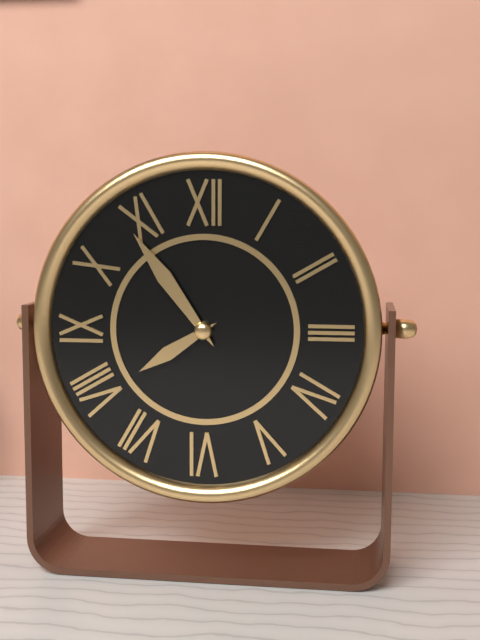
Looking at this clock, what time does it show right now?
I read 7:54
